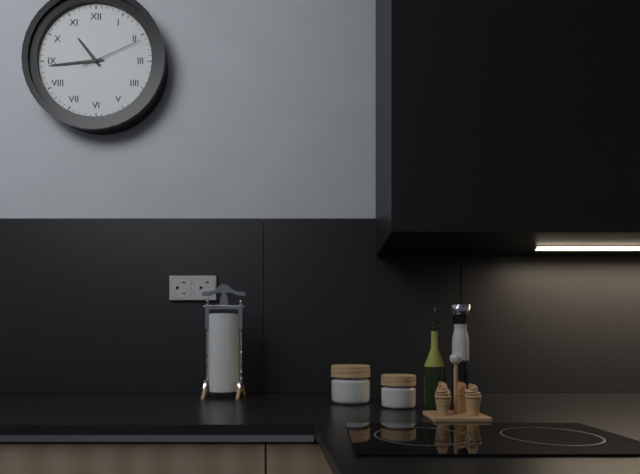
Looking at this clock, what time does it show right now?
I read 10:44:11
